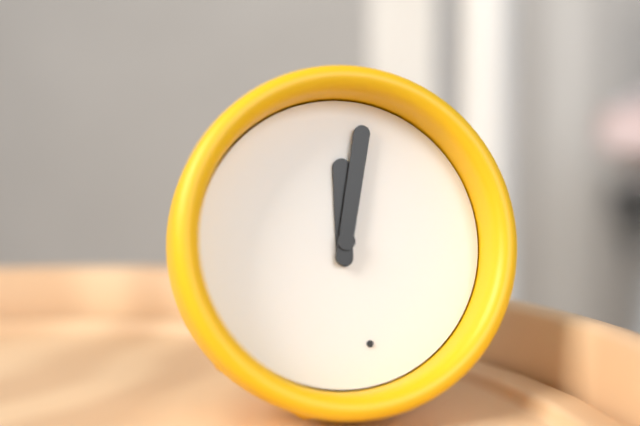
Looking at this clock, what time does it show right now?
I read 12:02
